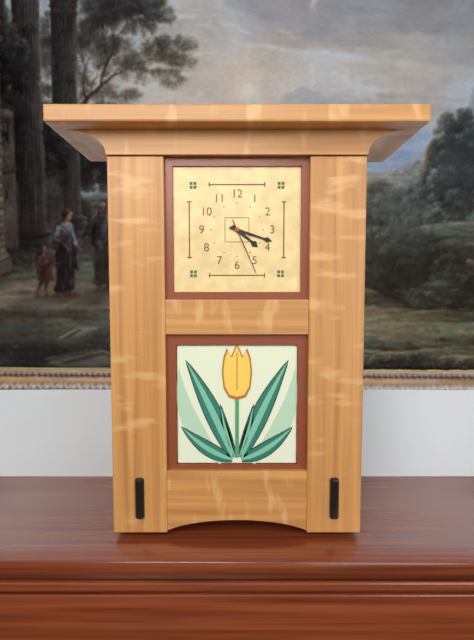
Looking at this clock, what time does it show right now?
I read 4:18:26
